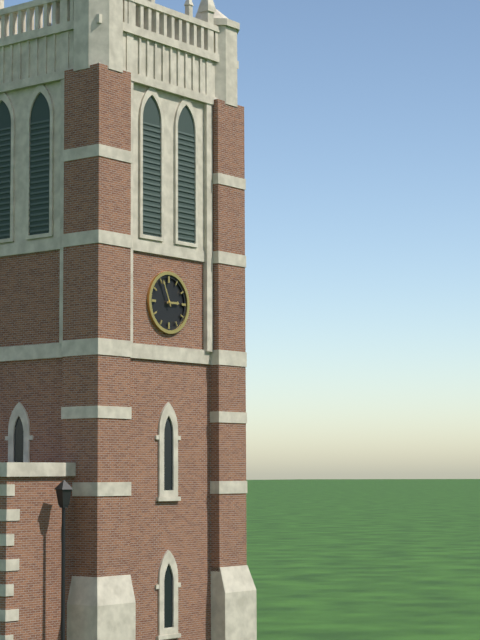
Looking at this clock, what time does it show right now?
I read 2:56
